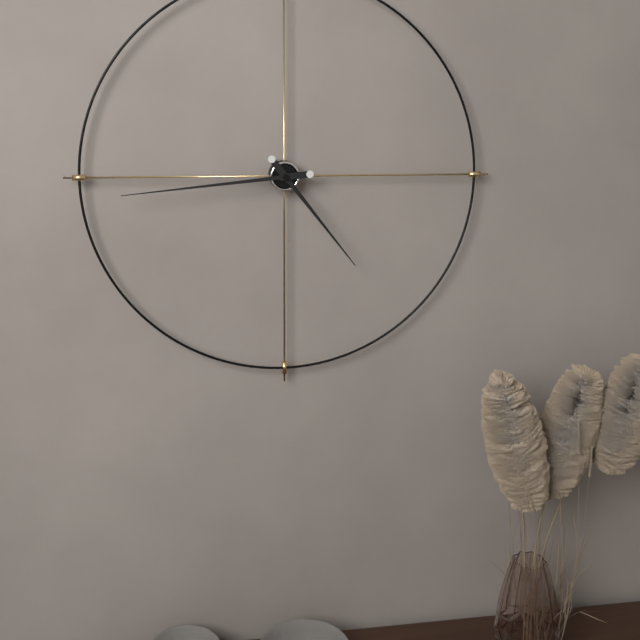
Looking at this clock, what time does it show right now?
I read 4:44
